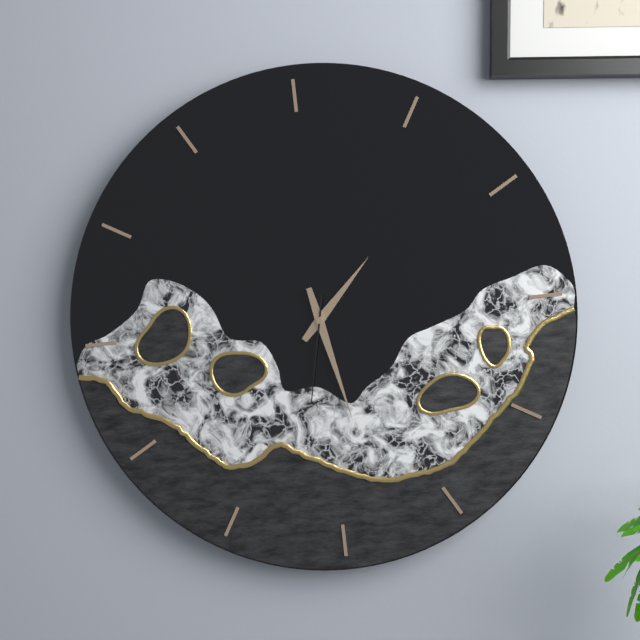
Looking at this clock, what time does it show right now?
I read 1:28:32
